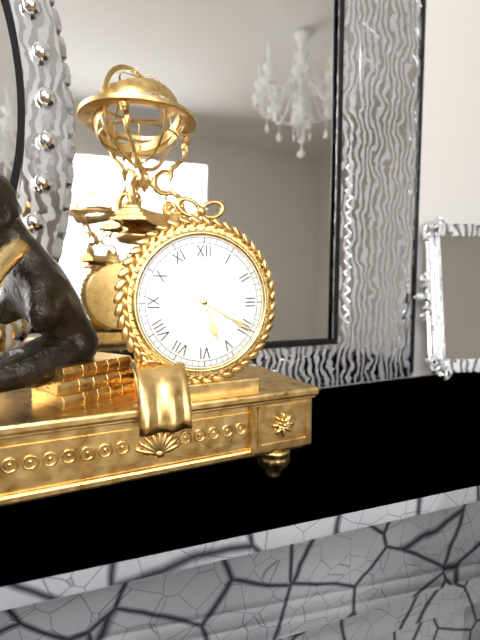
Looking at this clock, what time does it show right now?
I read 5:20
